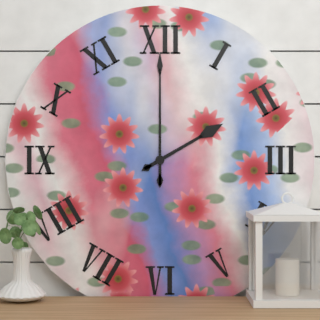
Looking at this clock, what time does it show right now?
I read 2:00
